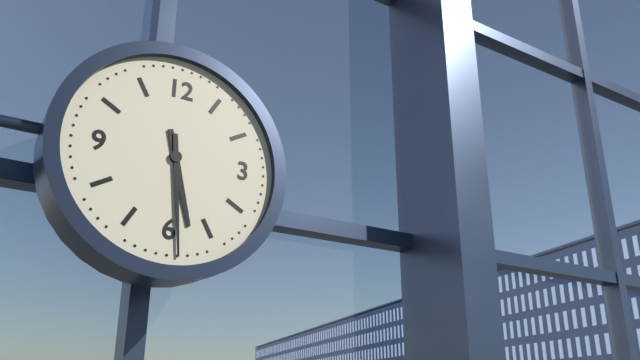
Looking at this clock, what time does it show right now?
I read 5:29
